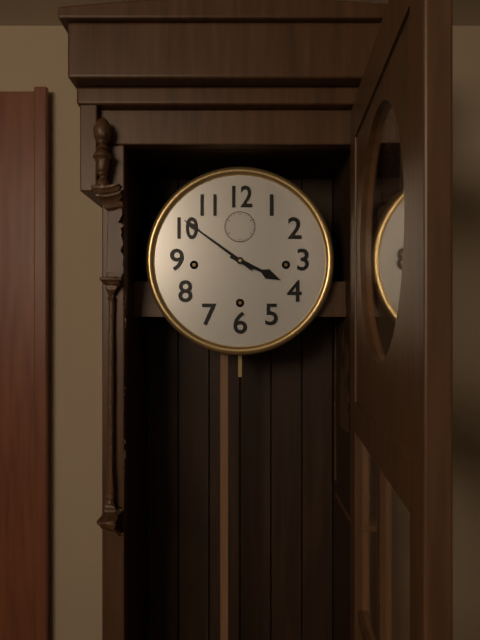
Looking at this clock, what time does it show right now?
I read 3:51
